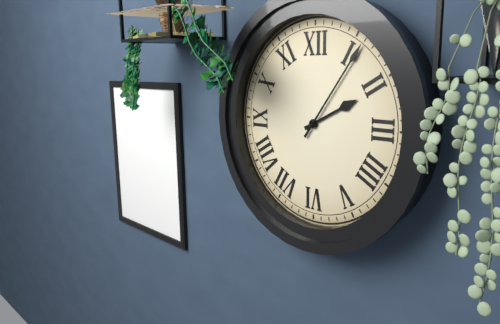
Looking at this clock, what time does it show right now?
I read 2:06
